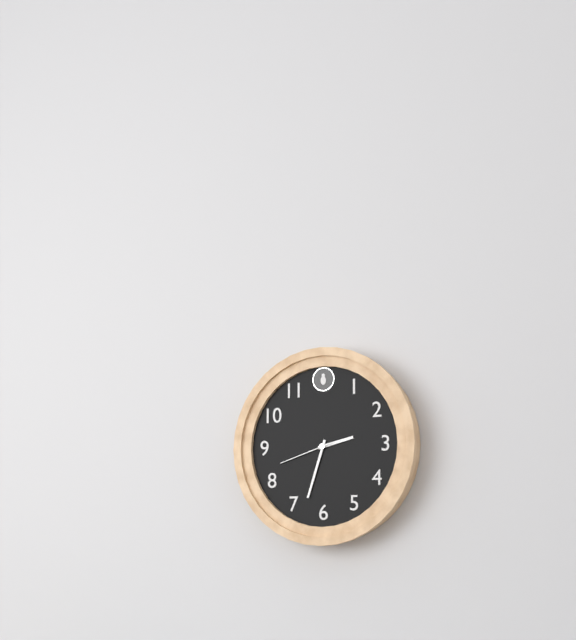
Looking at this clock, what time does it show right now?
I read 2:33:42
